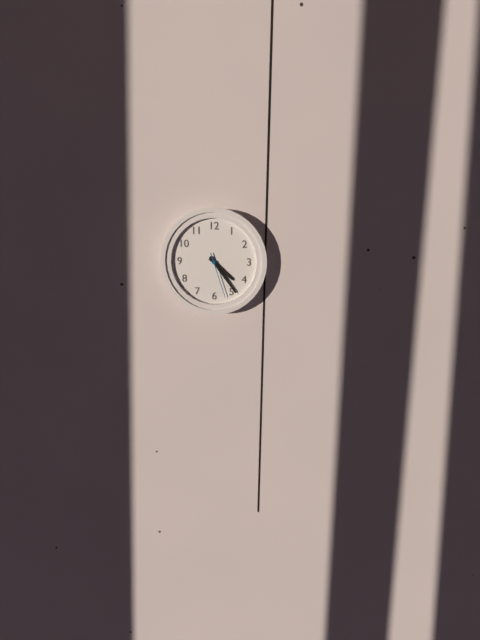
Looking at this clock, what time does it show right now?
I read 4:24
